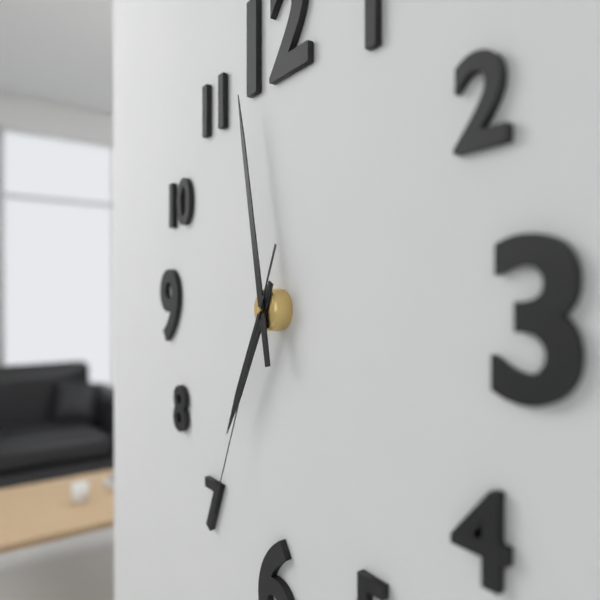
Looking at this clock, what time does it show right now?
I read 6:58:34
